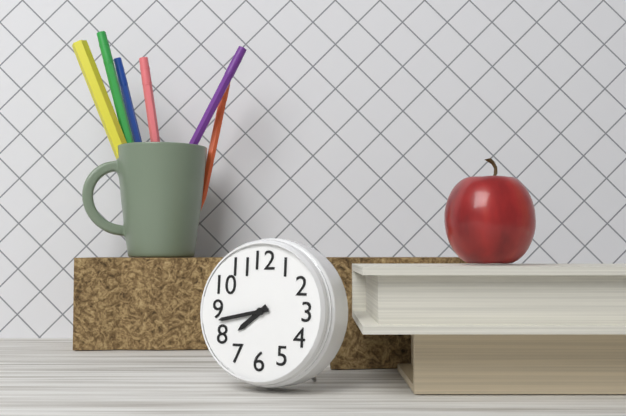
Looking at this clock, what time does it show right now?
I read 7:43
